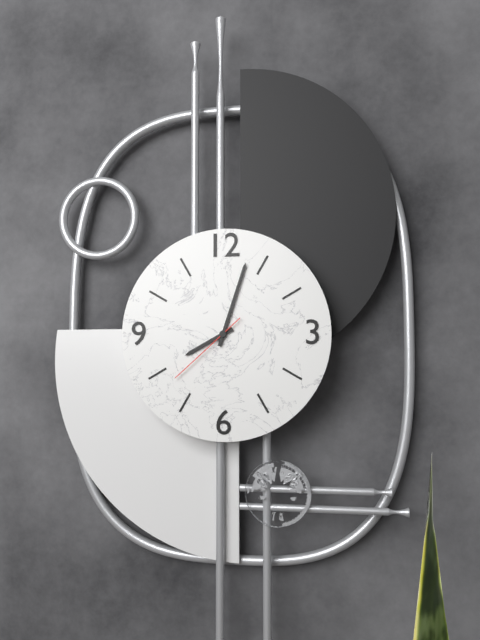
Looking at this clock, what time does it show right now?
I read 8:03:38
